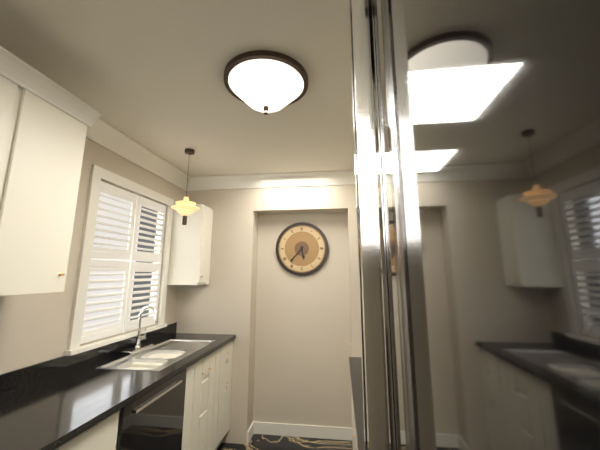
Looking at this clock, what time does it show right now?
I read 5:37
